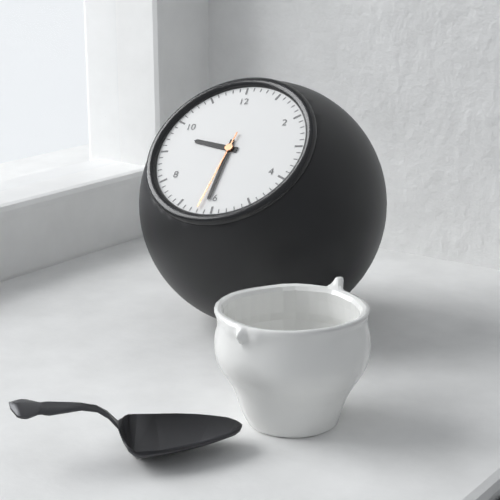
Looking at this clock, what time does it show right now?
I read 9:31:32
